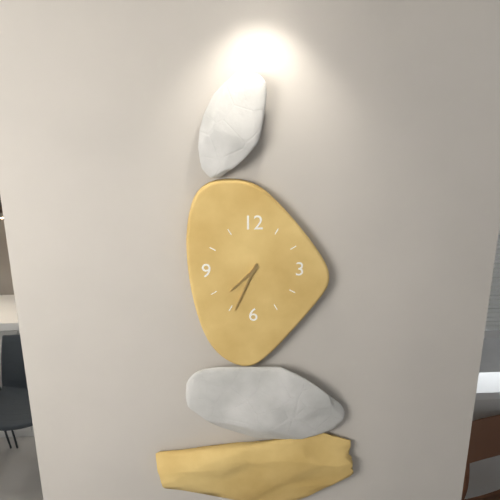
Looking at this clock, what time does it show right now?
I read 7:34
